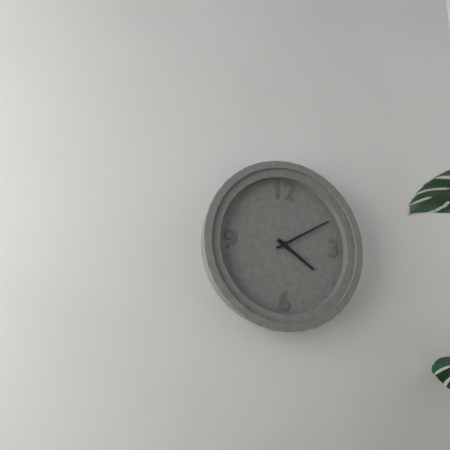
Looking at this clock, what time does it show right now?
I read 4:10
